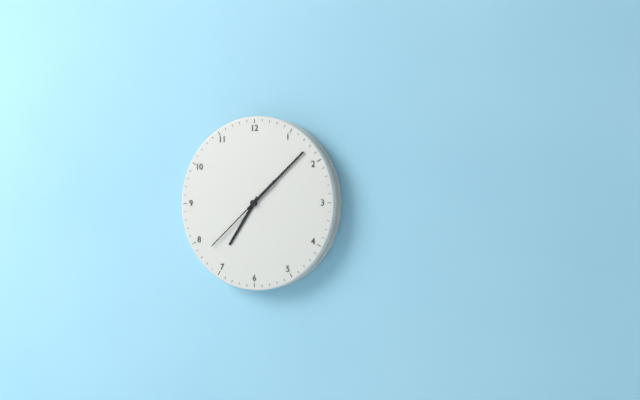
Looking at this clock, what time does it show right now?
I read 7:08:38
